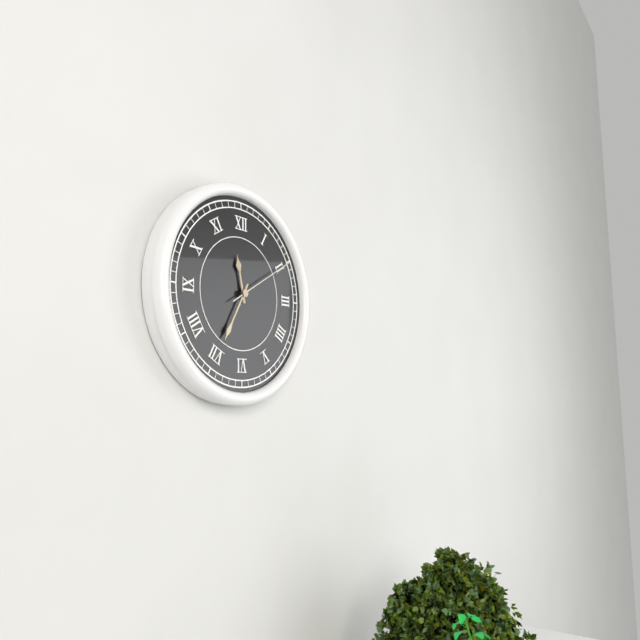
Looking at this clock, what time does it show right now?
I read 11:35:10
